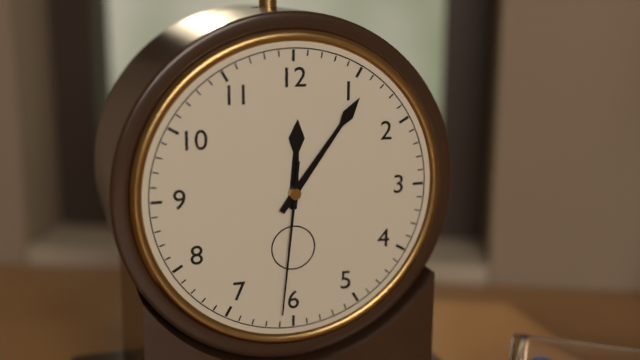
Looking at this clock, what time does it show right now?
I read 12:06:31
